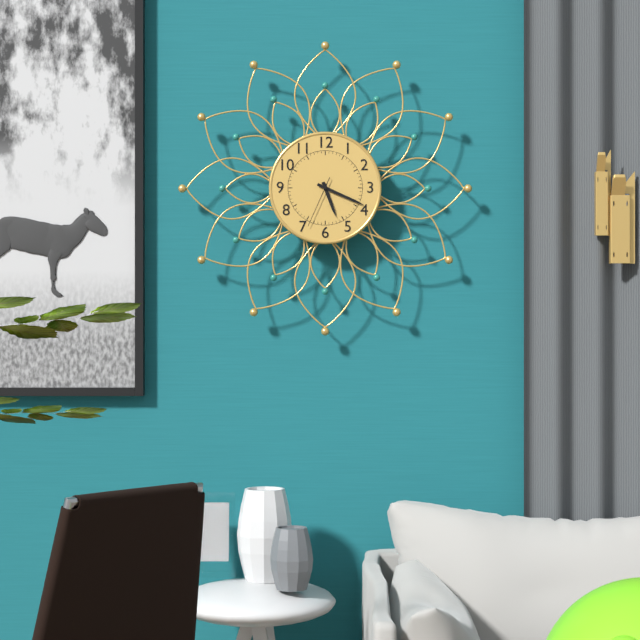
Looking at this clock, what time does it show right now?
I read 5:19:34
